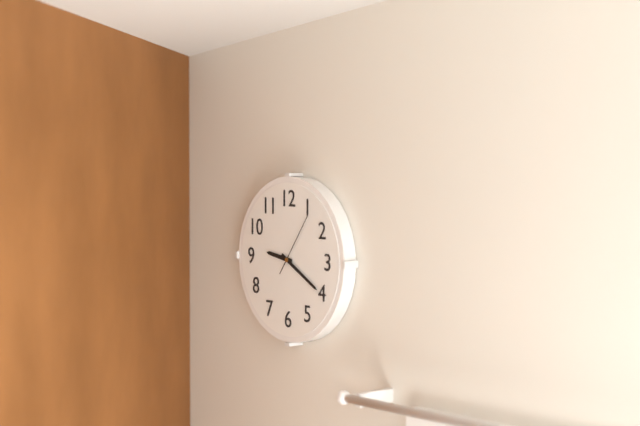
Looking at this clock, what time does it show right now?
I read 9:20:06
